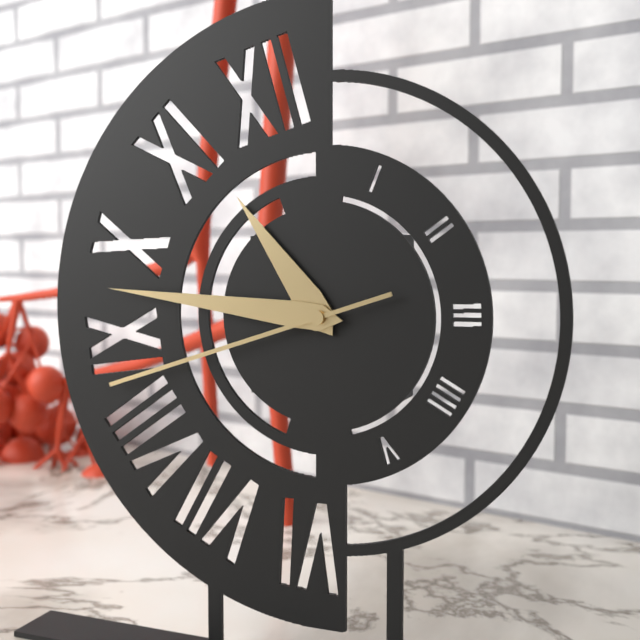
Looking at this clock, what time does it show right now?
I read 10:46:42
